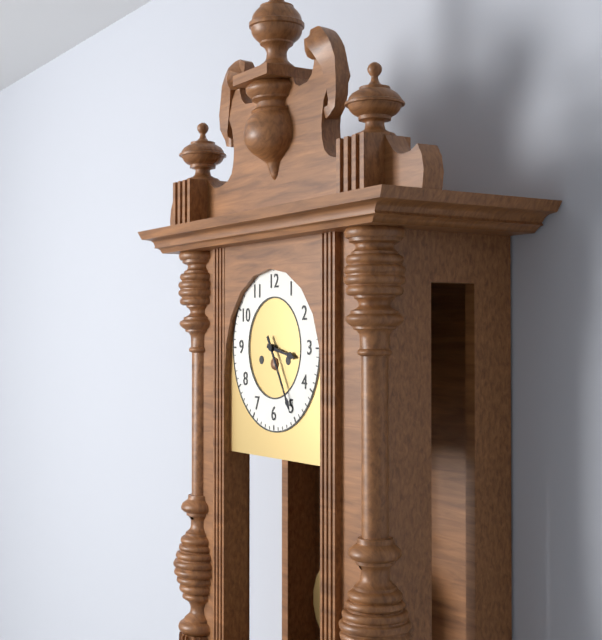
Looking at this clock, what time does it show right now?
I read 3:25
